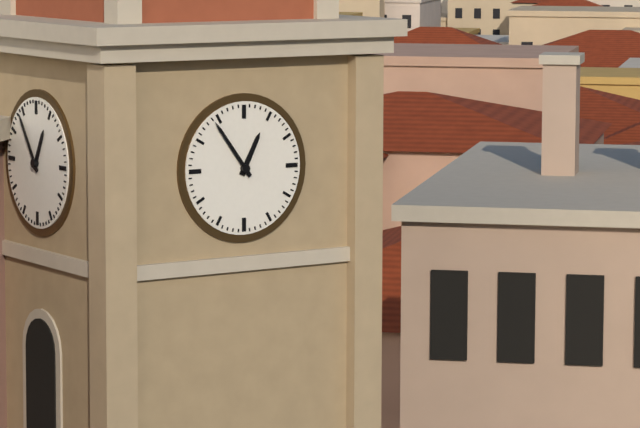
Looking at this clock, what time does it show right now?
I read 12:54
